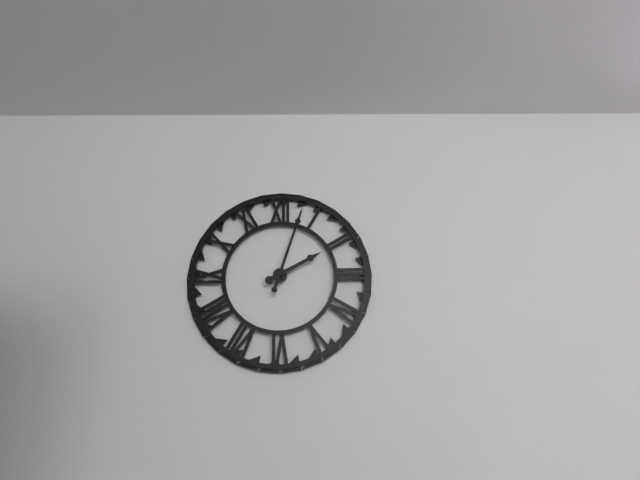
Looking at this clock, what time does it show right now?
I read 2:03
